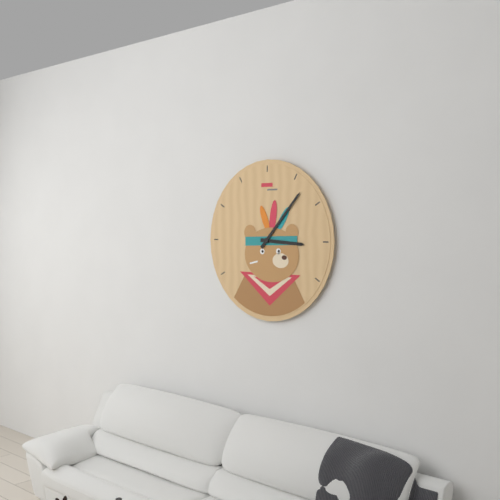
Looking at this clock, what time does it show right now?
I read 3:07
